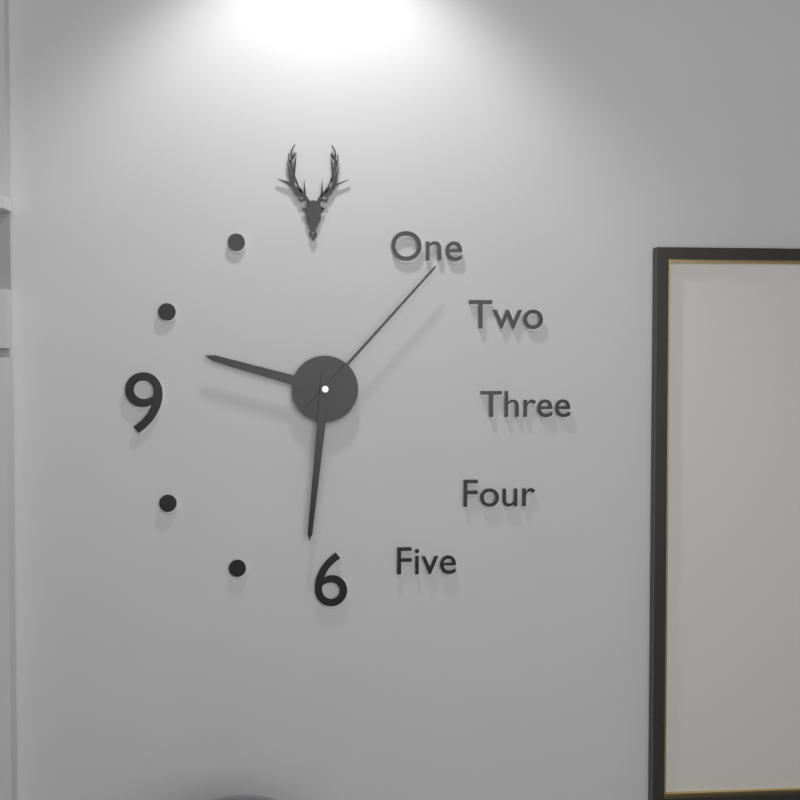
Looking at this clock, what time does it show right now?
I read 9:31:07
